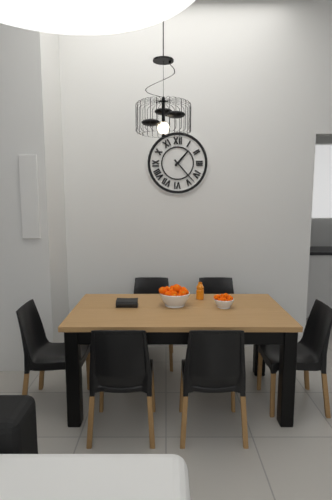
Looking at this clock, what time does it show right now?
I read 1:23
